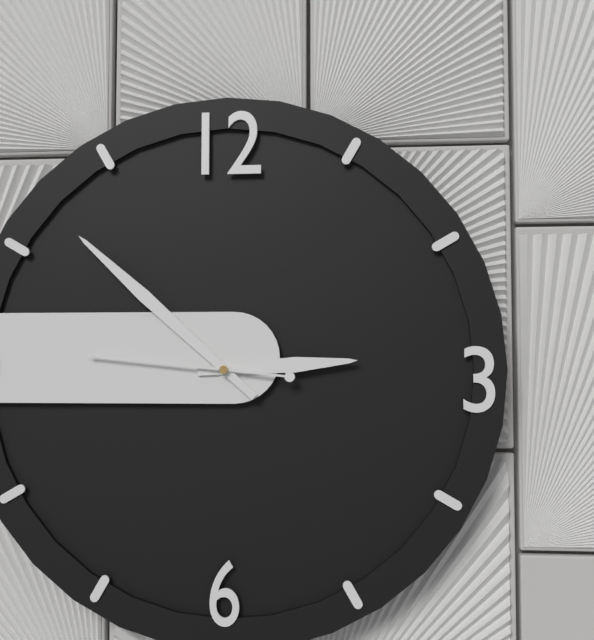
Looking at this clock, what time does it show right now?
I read 2:52:46
